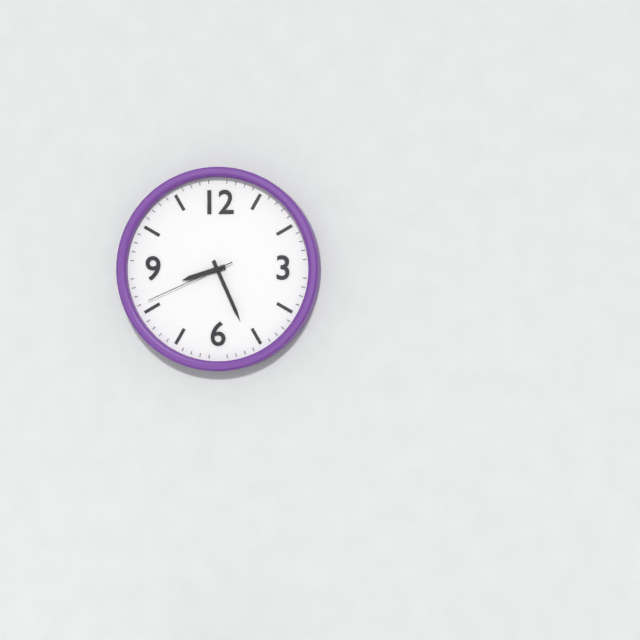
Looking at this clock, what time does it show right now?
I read 8:26:41
